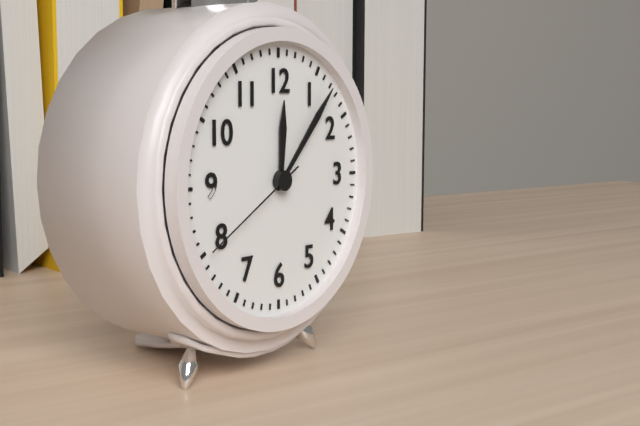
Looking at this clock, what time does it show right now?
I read 12:07:40
